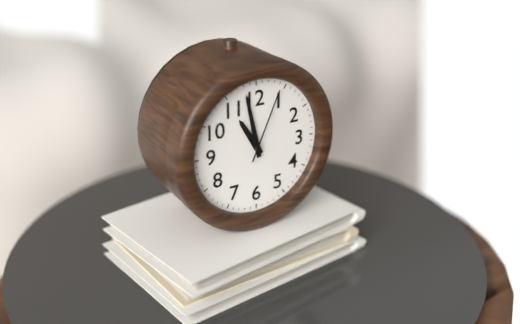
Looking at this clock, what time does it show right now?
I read 10:58:04
